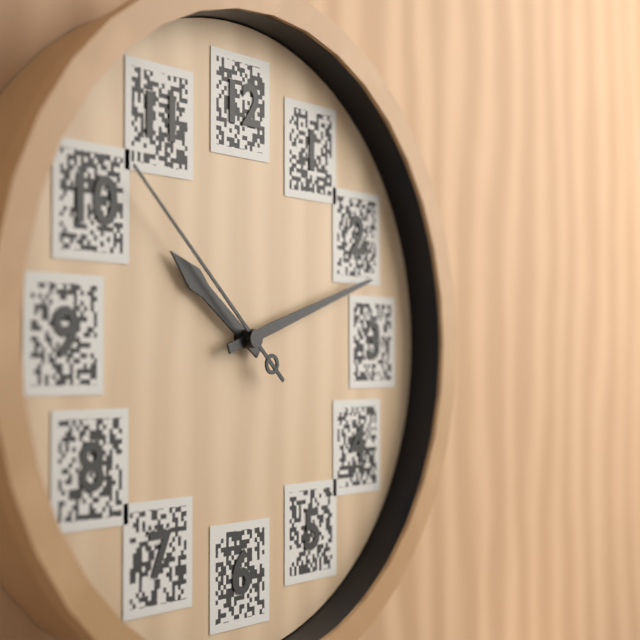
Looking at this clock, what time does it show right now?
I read 10:12:52
